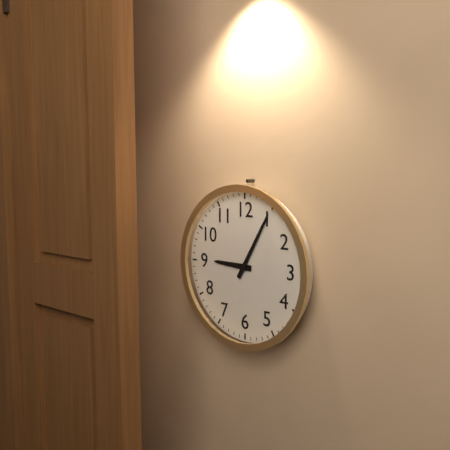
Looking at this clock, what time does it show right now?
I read 9:05
